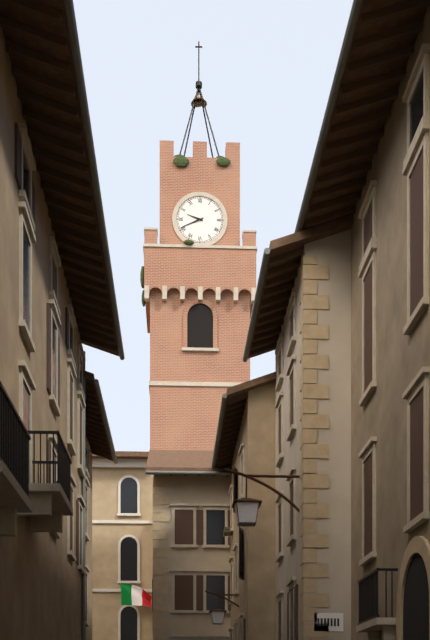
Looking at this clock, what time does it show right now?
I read 9:41
